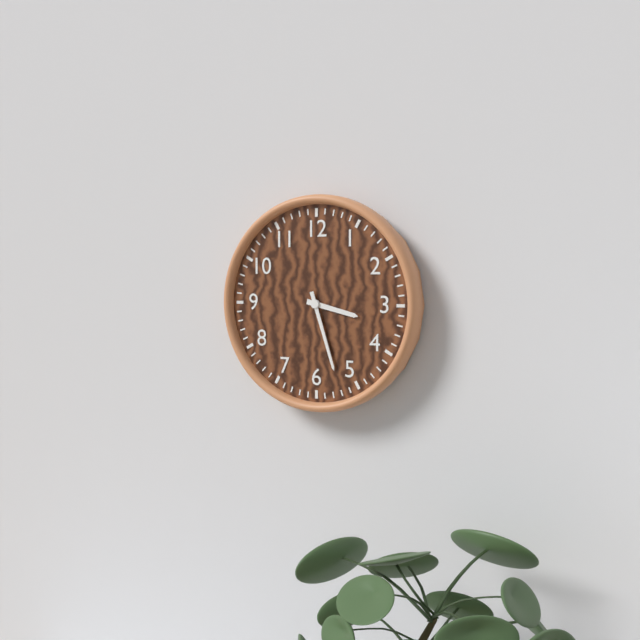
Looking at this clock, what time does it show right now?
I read 3:27
